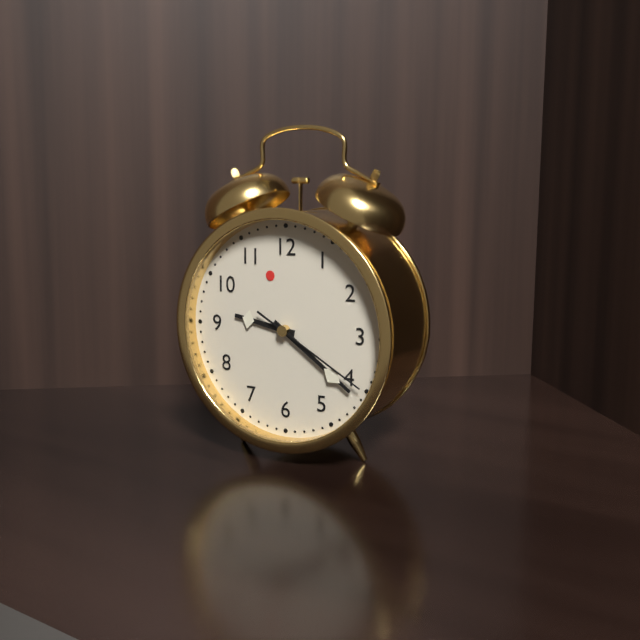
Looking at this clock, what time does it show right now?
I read 9:21:20
